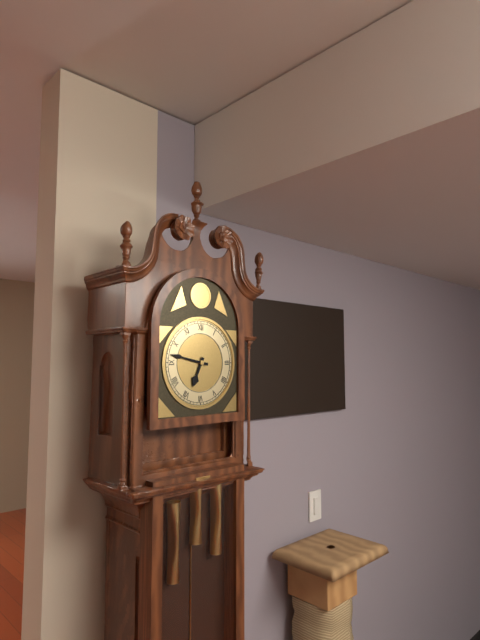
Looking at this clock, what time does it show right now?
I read 6:47
